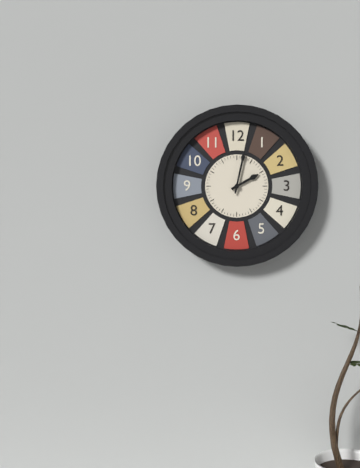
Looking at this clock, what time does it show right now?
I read 2:02
